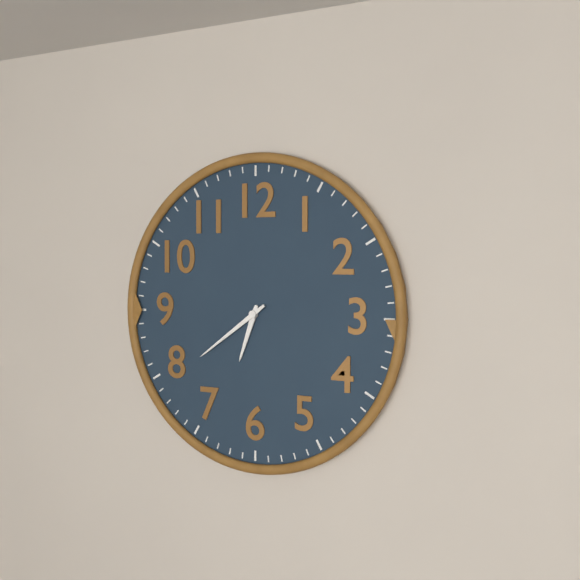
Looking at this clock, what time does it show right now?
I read 6:39
